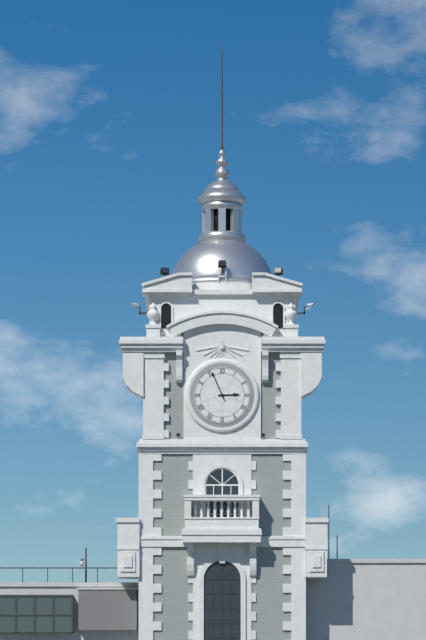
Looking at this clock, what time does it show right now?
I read 2:56
